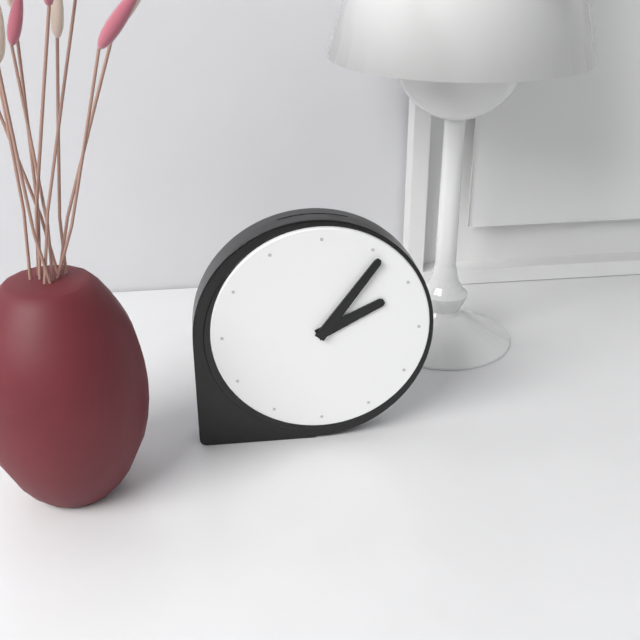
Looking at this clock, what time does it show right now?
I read 2:06
